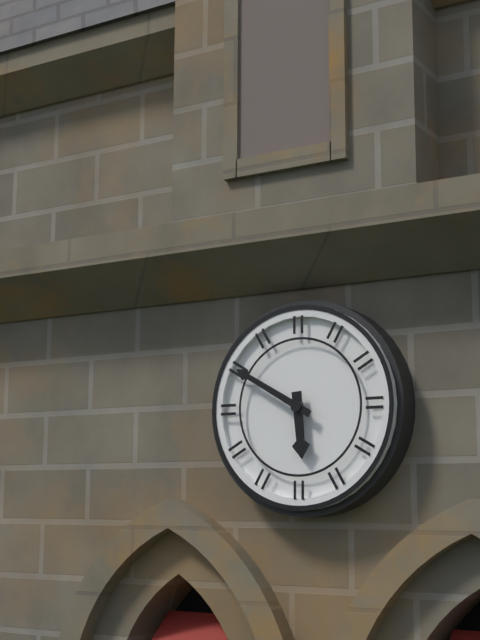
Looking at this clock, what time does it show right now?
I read 5:50
